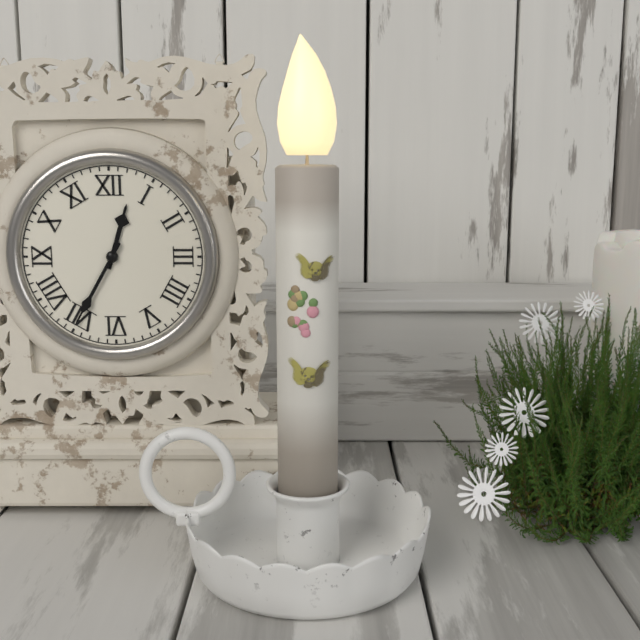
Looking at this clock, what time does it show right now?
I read 12:35
